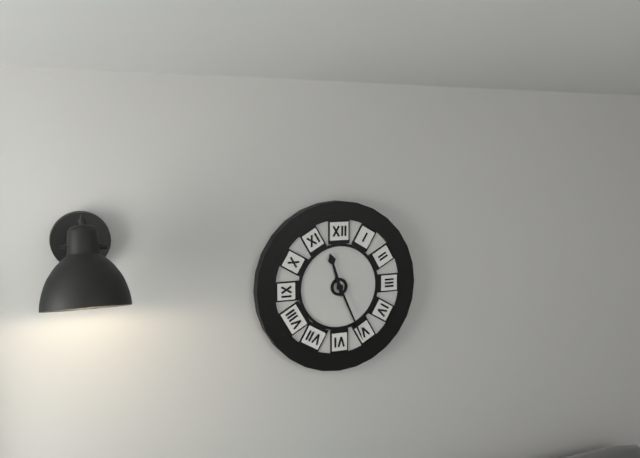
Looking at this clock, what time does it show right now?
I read 11:26
